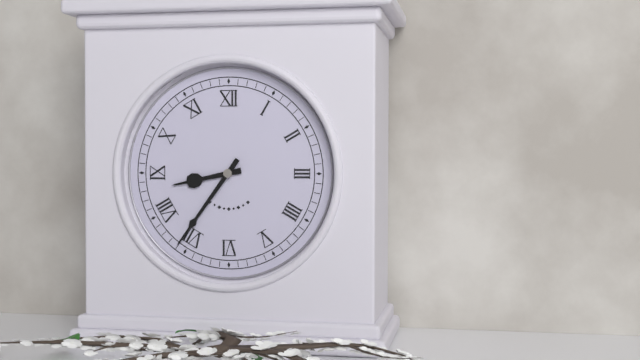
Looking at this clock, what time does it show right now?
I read 8:36
